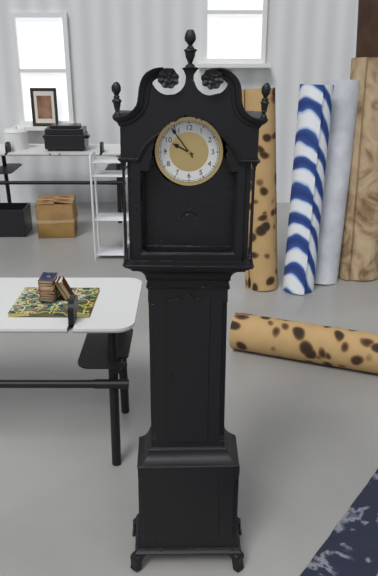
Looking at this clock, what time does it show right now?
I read 9:54
